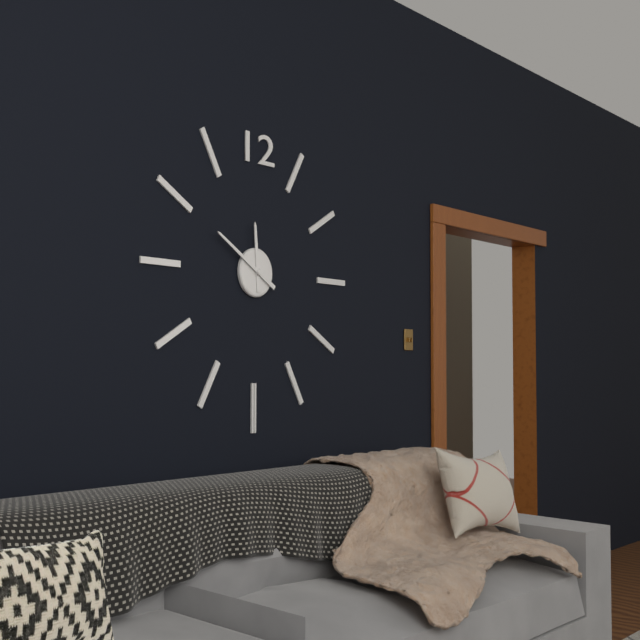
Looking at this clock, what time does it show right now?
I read 11:50
